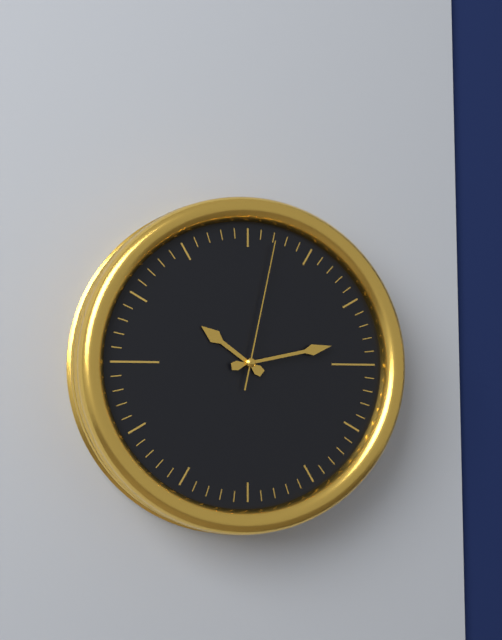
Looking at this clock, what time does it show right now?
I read 10:13:02
